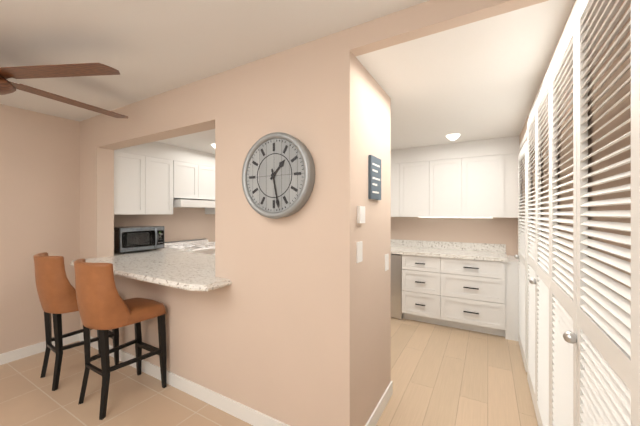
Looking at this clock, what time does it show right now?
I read 1:28
